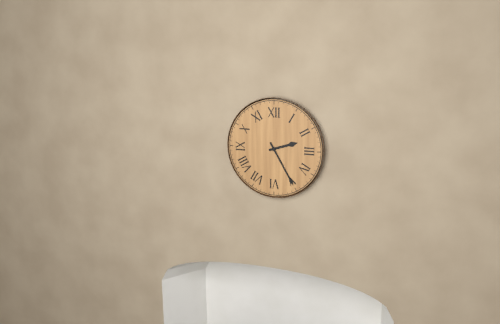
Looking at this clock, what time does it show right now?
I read 2:25
